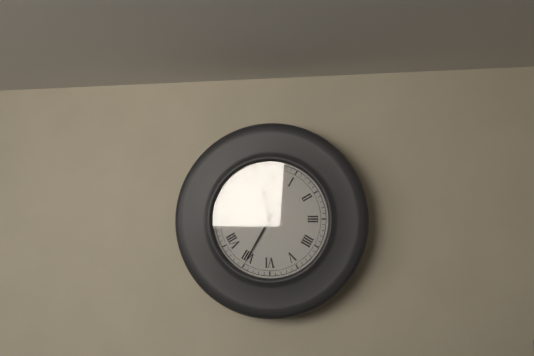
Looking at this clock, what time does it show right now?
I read 11:35
